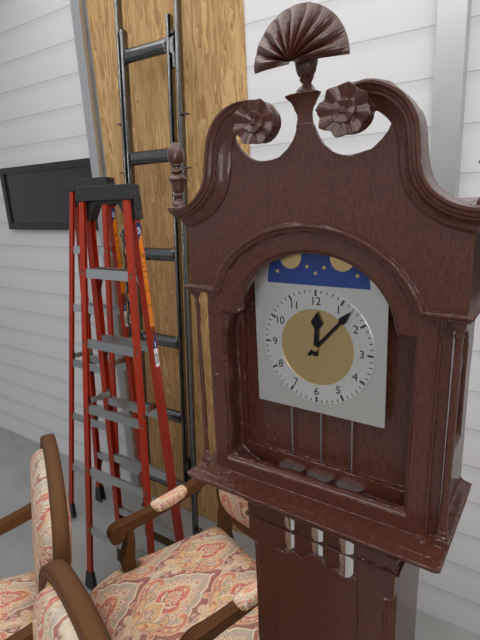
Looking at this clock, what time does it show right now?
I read 12:07
